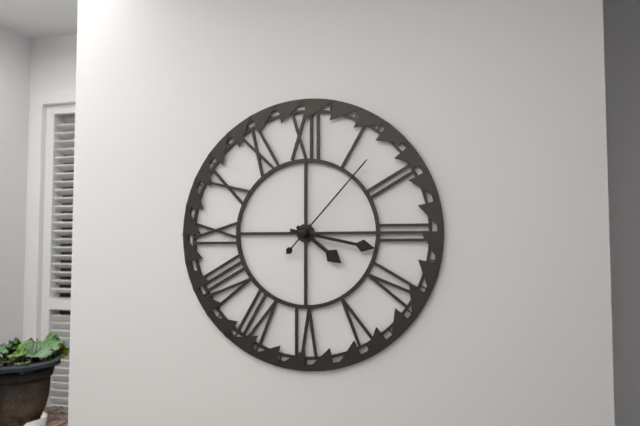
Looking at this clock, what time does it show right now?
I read 4:17:07
